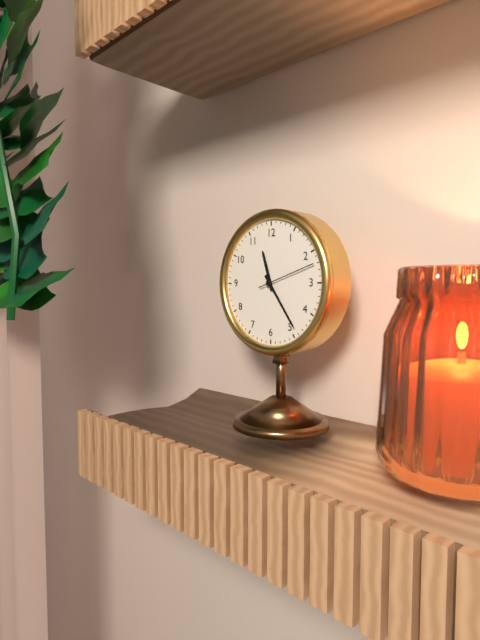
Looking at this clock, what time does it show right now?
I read 11:24:12
